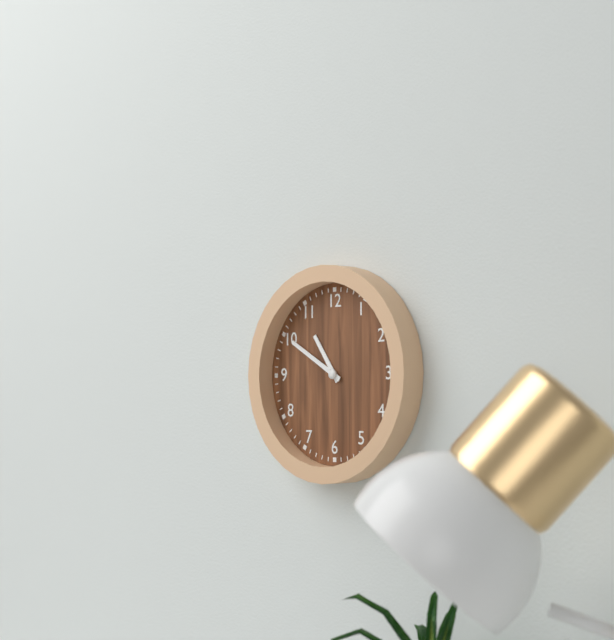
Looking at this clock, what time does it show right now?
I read 10:50
